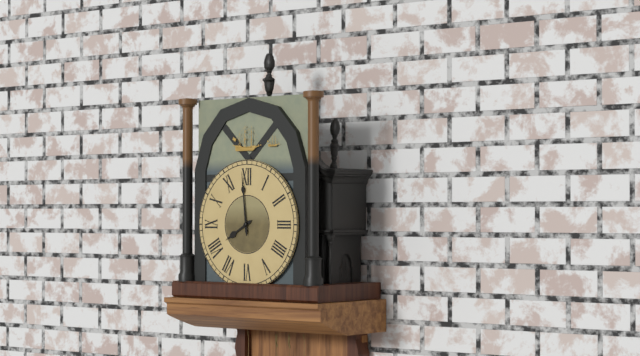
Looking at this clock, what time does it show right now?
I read 7:59
